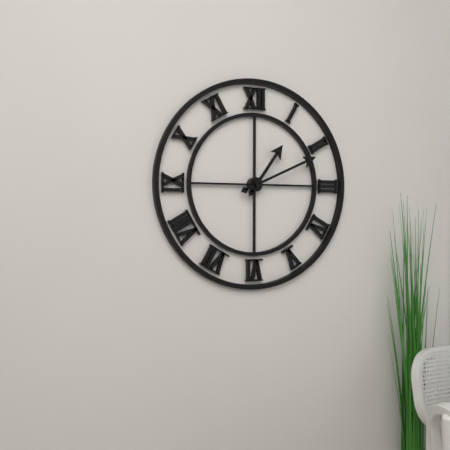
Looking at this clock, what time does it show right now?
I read 1:11
